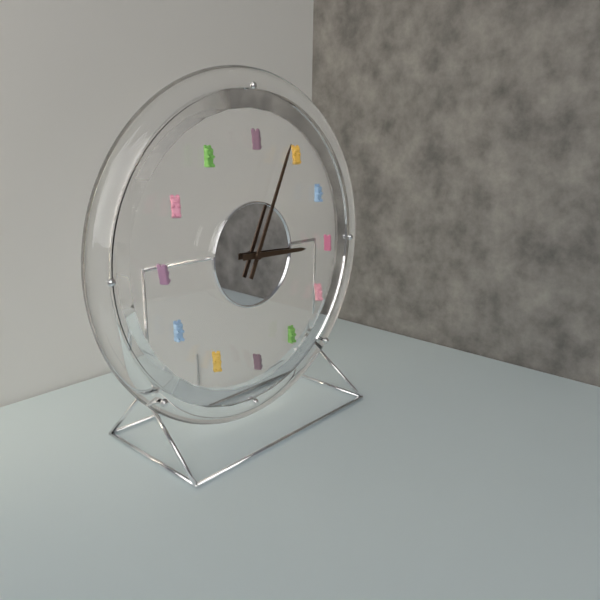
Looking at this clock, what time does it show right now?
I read 3:04
